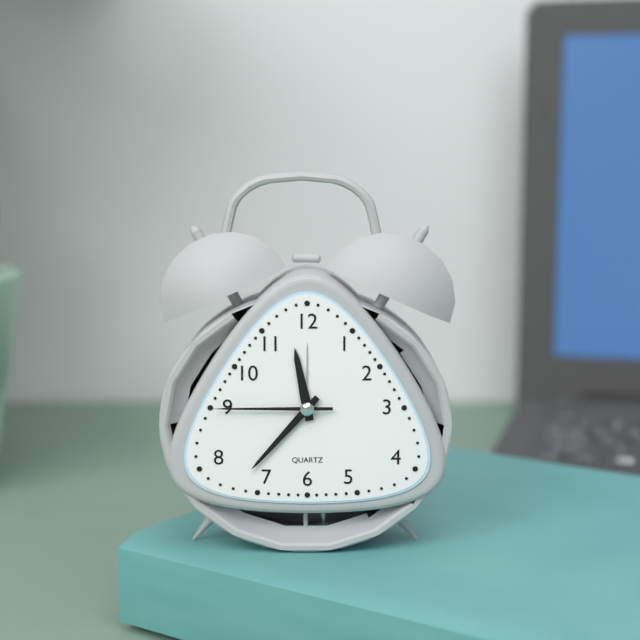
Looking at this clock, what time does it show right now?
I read 11:37:45
